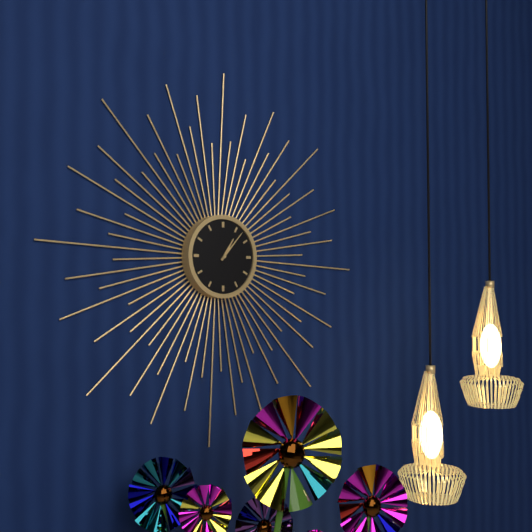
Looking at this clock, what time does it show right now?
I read 1:07
